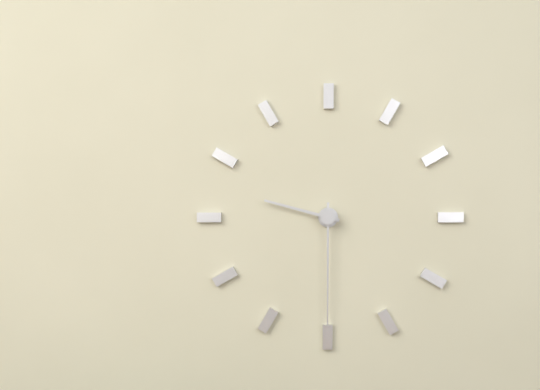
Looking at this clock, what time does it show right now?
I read 9:30
